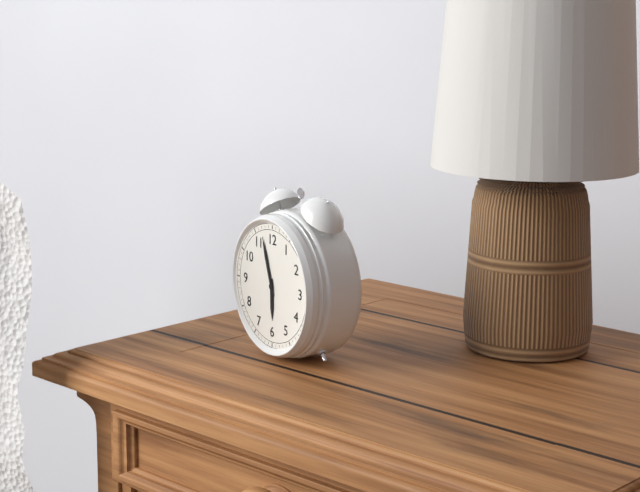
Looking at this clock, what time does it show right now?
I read 5:57
